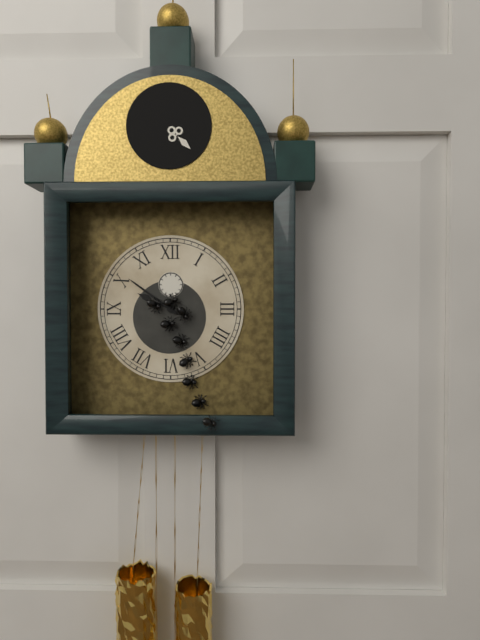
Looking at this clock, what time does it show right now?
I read 9:51
